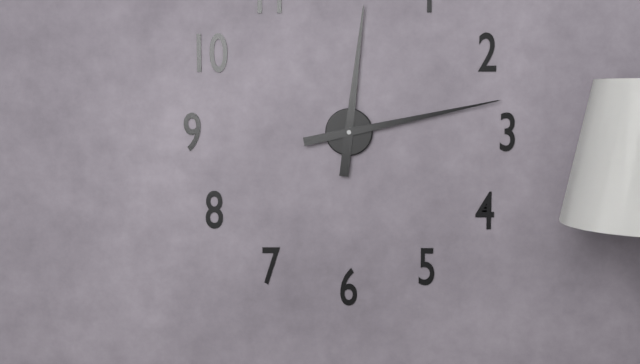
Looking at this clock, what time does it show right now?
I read 12:13
